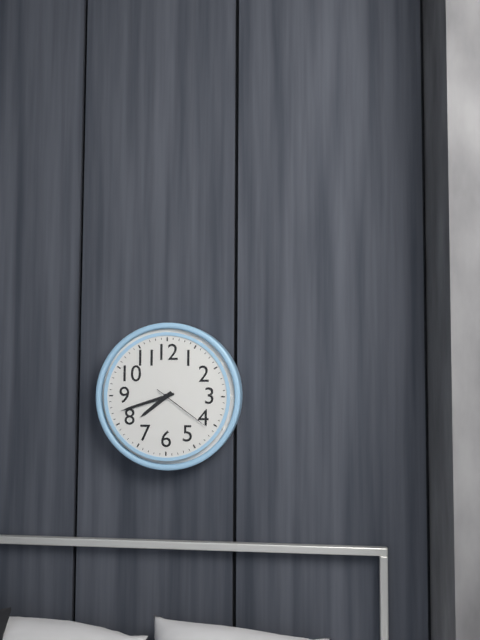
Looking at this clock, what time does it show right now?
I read 7:42:21
